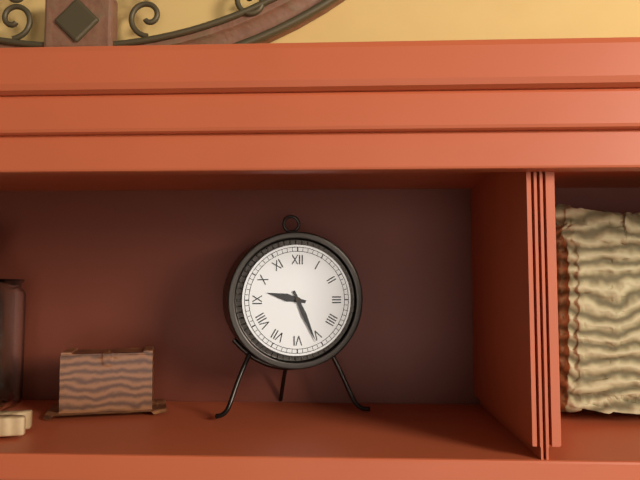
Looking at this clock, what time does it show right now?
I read 9:26
